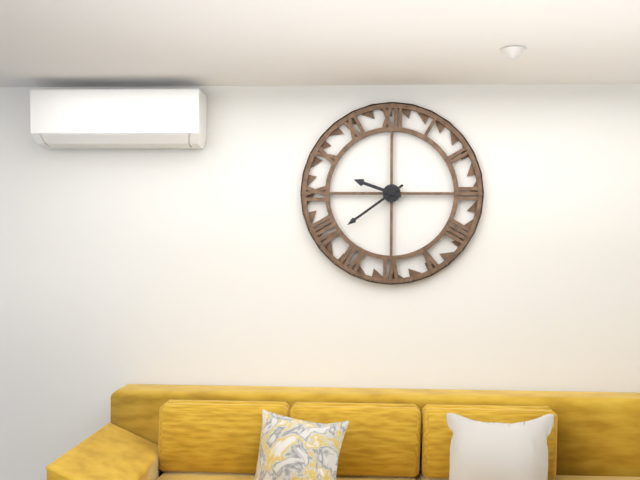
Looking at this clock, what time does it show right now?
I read 9:39
